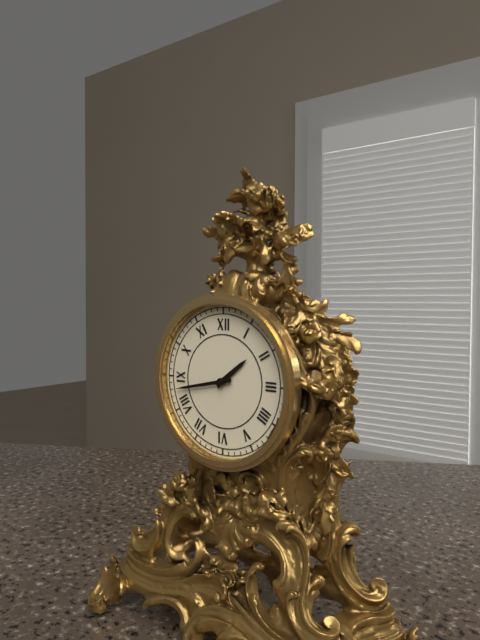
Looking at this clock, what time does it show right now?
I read 1:43
